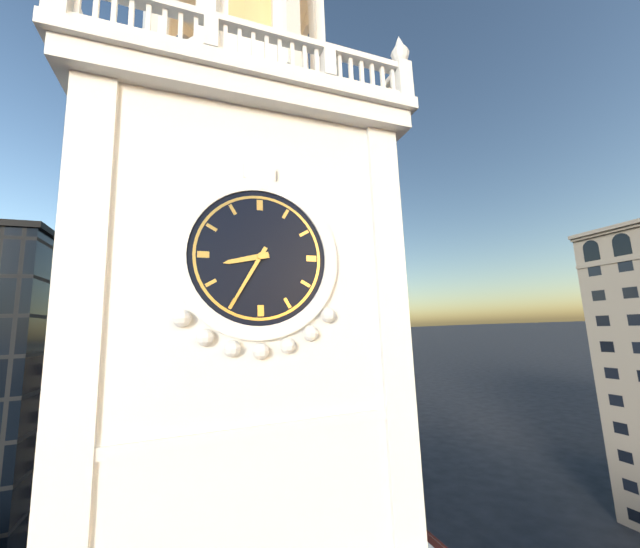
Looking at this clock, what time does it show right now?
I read 8:35
